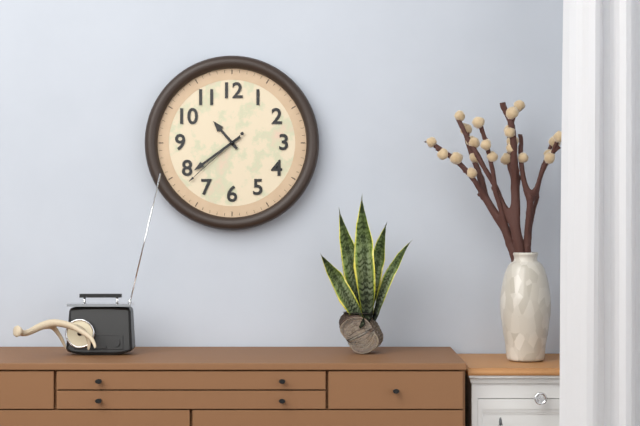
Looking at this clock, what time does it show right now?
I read 10:39:38
